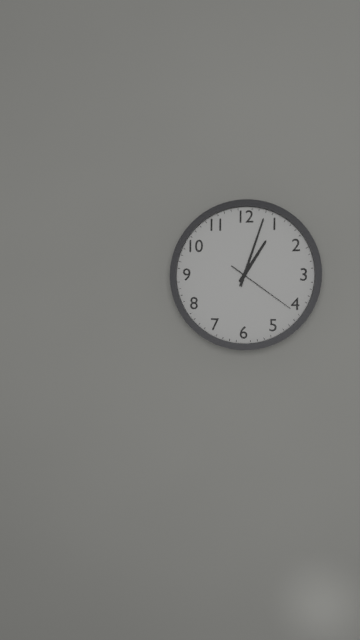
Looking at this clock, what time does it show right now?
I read 1:03:21
